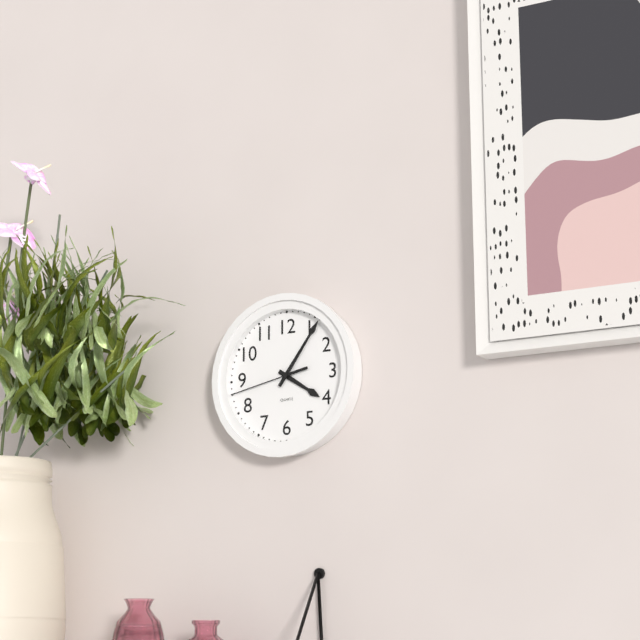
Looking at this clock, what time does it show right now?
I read 4:06:43
